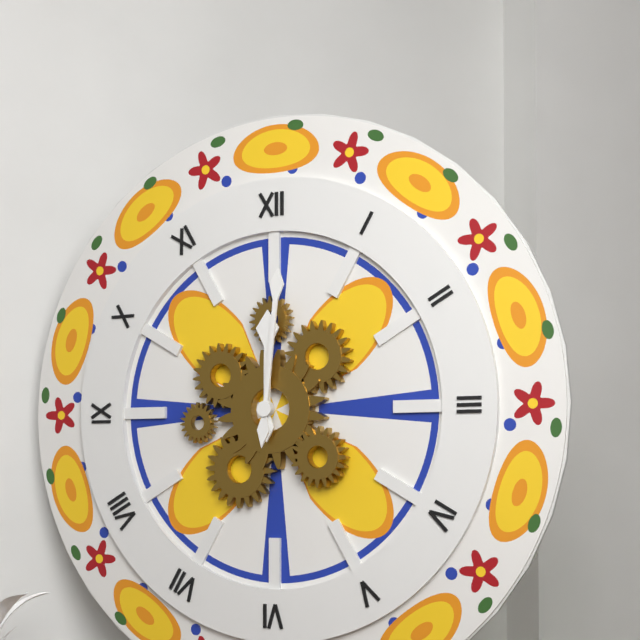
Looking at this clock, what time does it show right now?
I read 12:01
